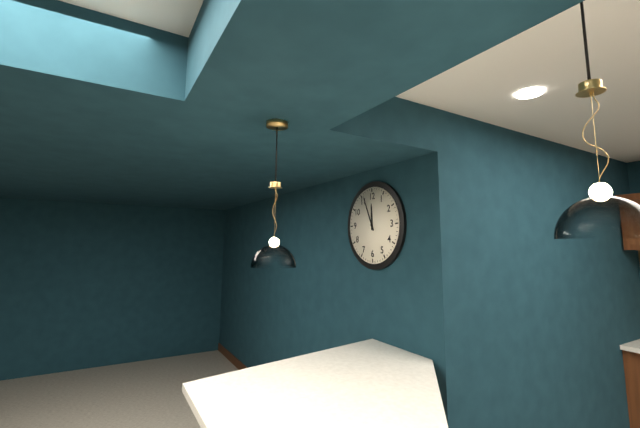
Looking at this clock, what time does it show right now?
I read 11:56
